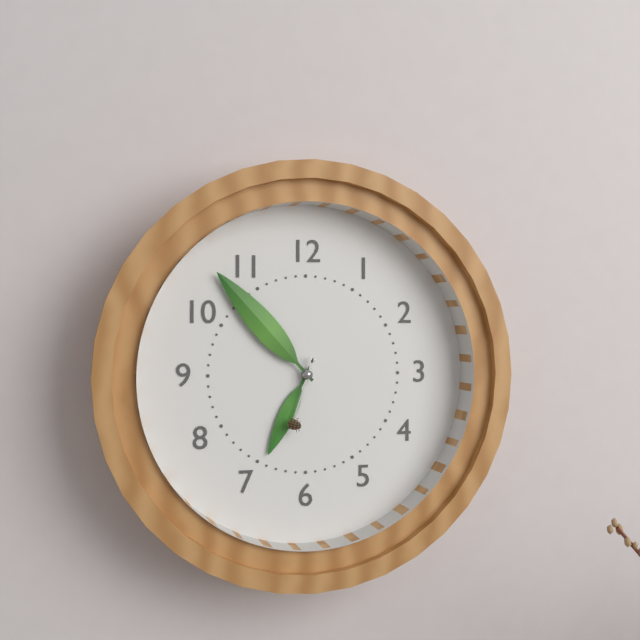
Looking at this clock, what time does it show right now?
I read 6:53:33
